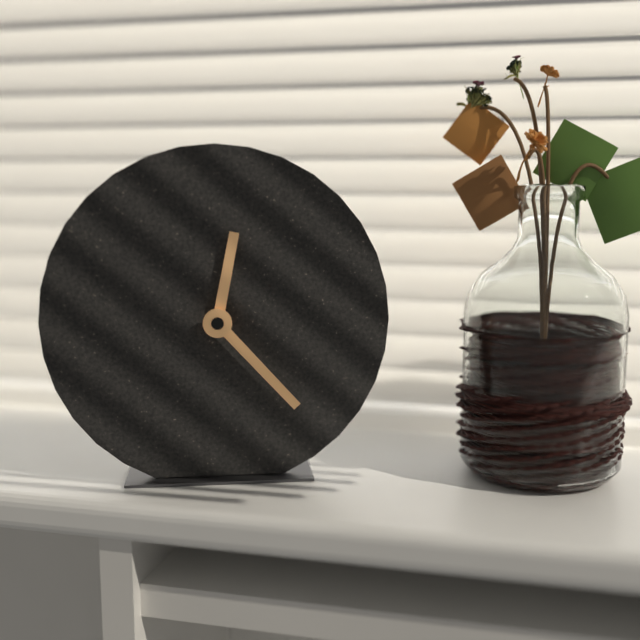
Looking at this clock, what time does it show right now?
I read 12:23
